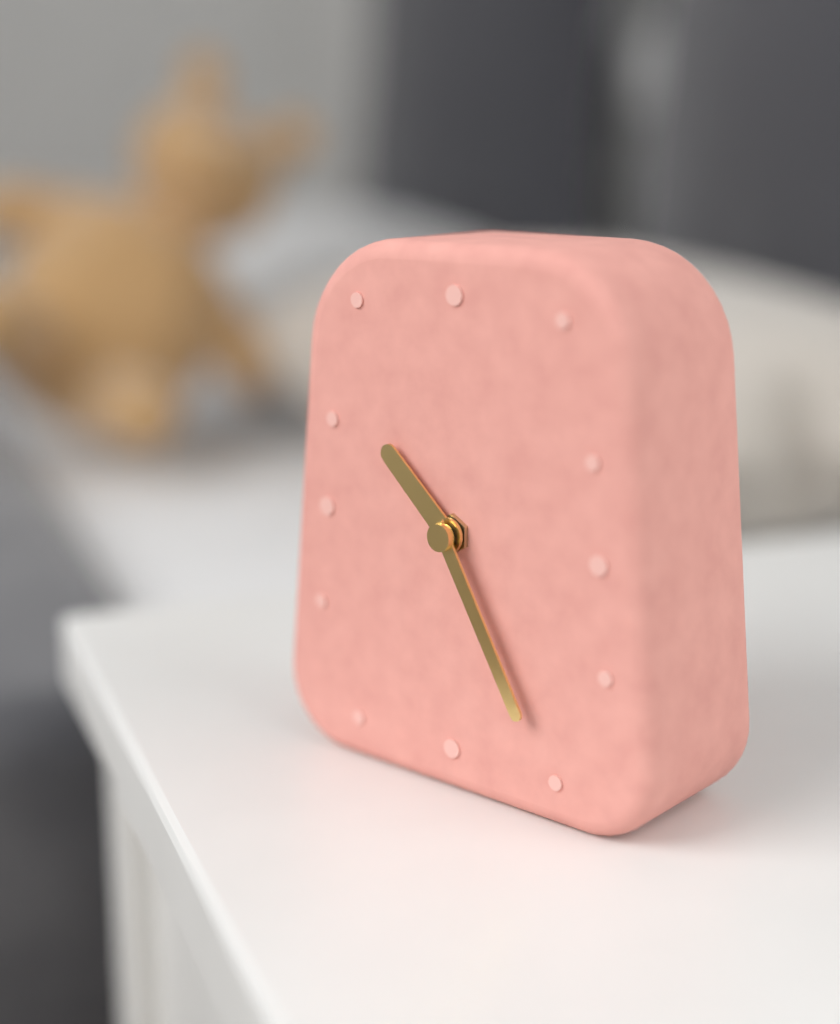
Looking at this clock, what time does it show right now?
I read 10:25
